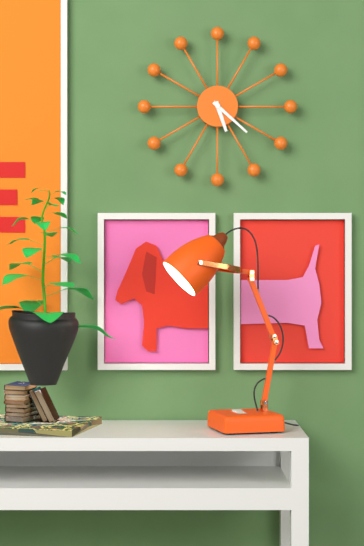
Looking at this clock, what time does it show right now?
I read 5:22
